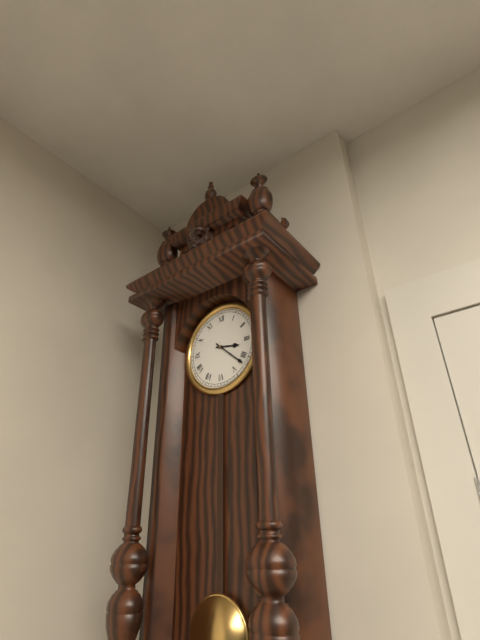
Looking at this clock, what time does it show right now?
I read 3:22
